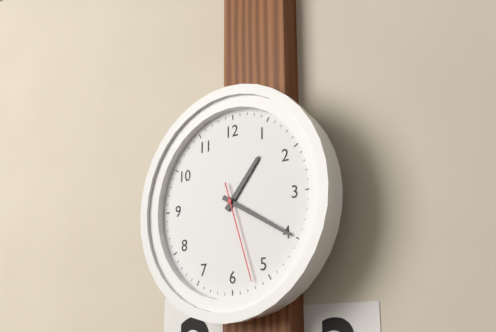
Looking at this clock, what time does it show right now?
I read 1:20:27
